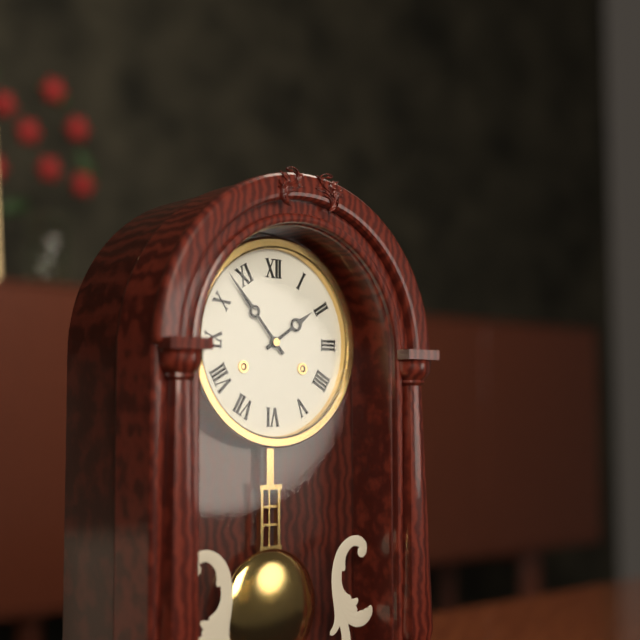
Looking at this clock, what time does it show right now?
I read 1:53
